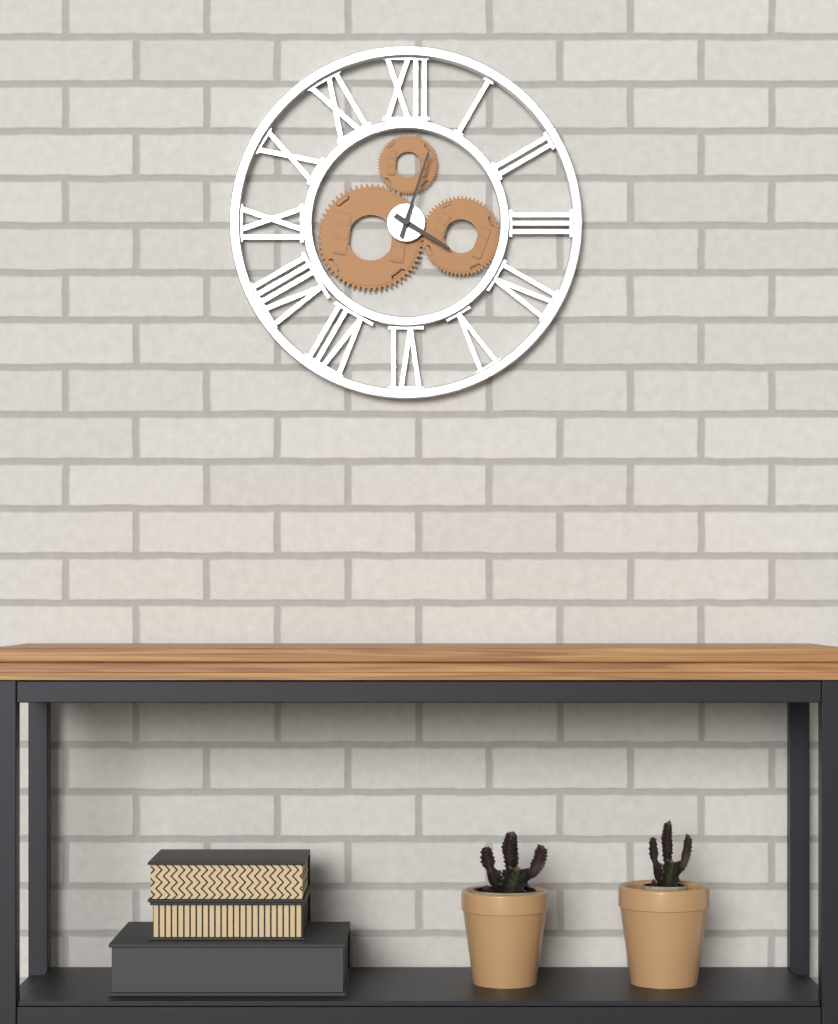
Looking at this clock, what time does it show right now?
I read 4:03
